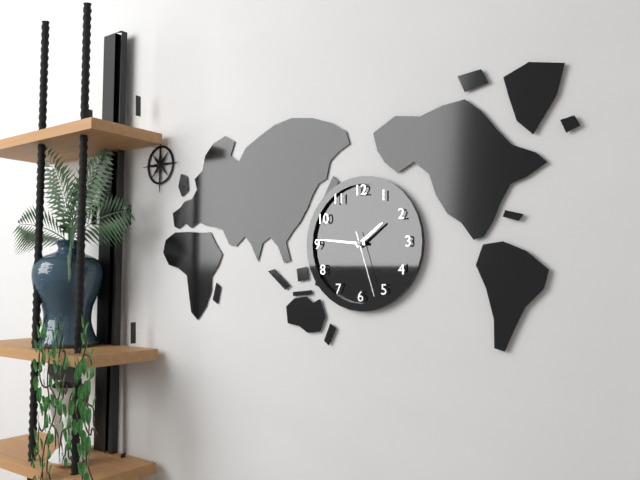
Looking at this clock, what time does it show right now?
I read 1:46:27
